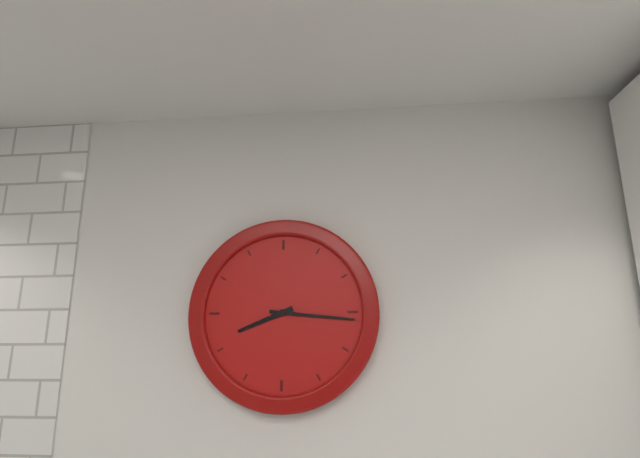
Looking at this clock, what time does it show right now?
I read 8:16
